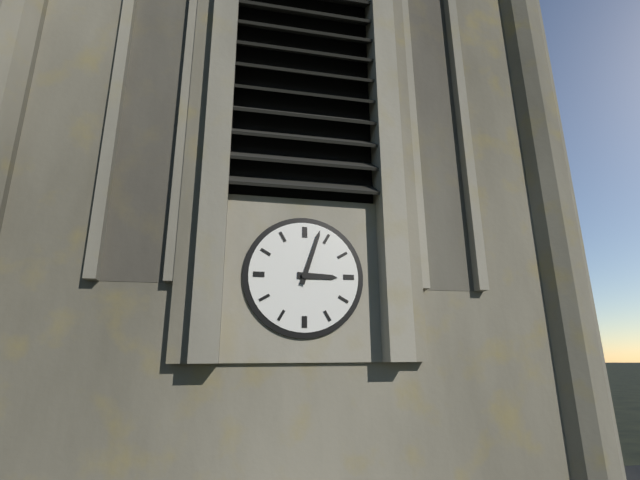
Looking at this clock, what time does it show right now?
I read 3:03
